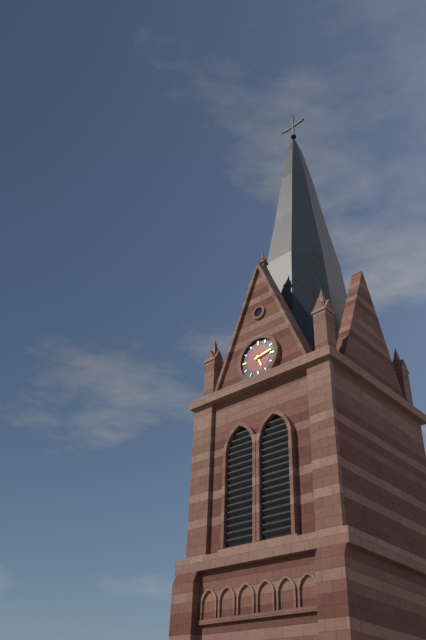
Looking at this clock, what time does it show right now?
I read 5:13
